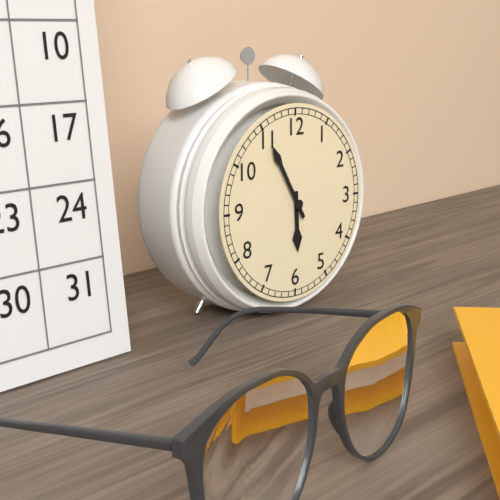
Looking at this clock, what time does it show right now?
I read 5:55
